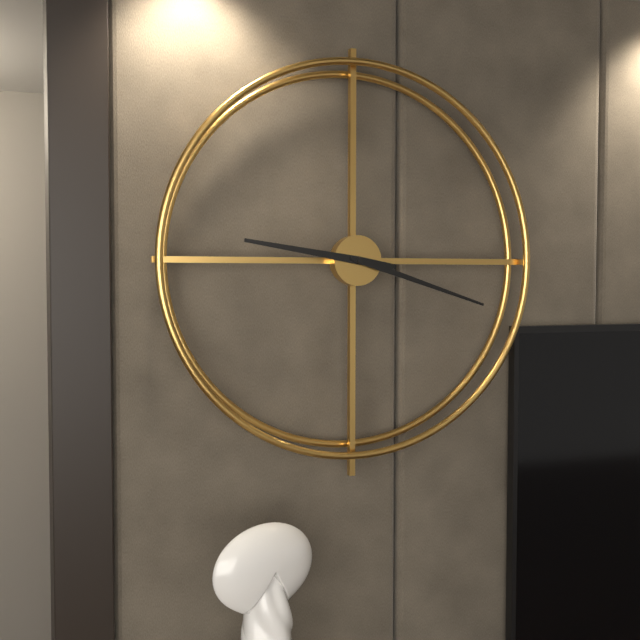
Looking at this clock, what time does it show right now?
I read 9:18
